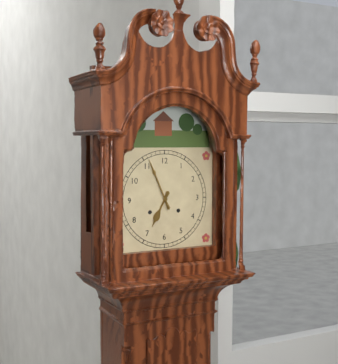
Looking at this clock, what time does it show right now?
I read 6:56
